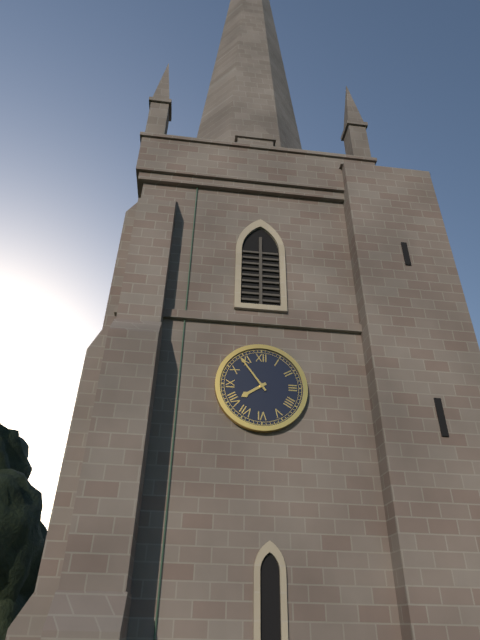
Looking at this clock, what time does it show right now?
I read 7:54
